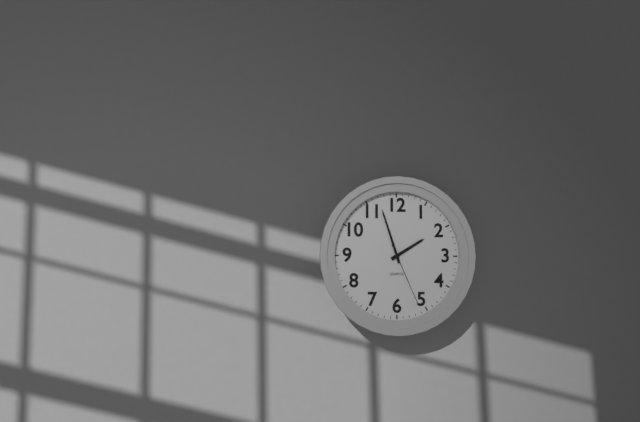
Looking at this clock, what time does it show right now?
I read 1:57:26
